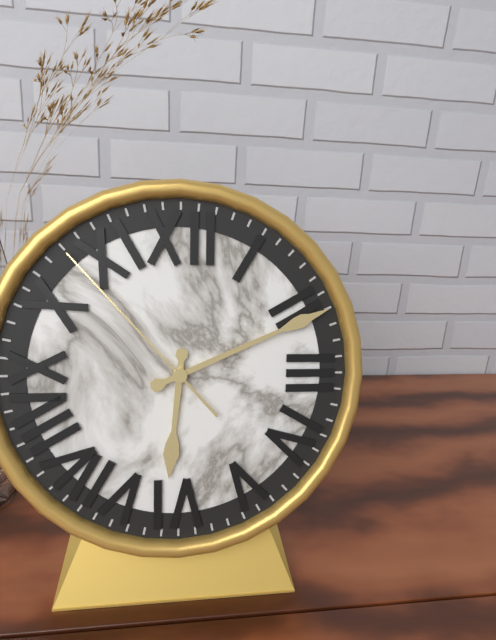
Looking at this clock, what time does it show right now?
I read 6:11:53
